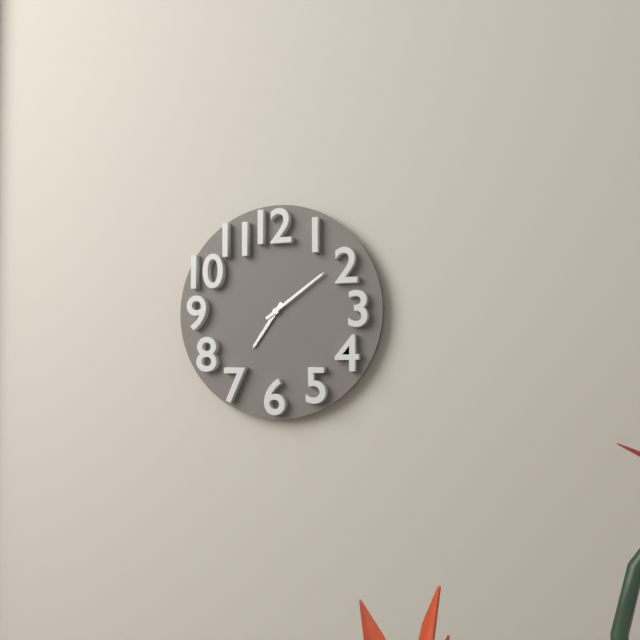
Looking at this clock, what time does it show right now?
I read 7:09
